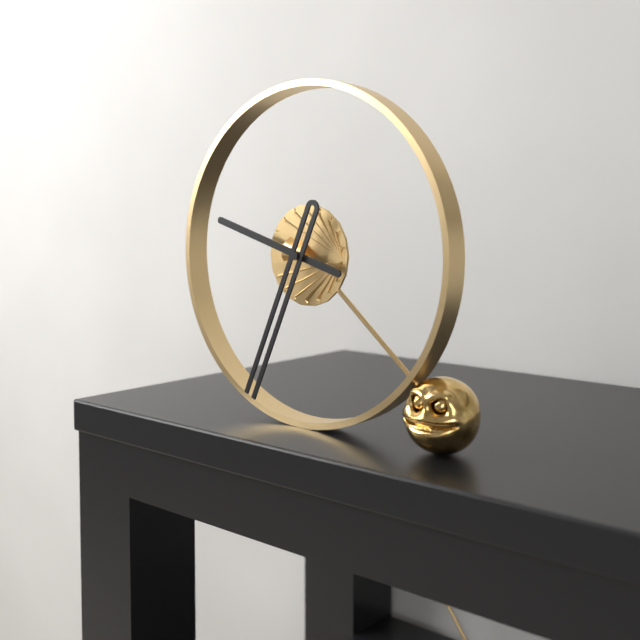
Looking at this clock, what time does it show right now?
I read 9:34
